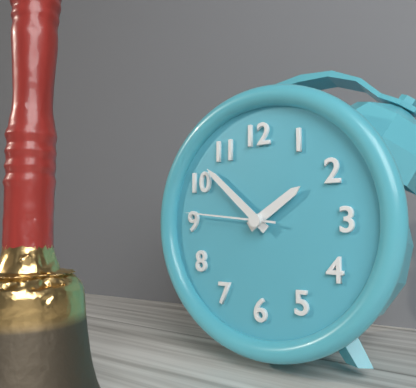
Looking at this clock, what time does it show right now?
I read 1:52:46
